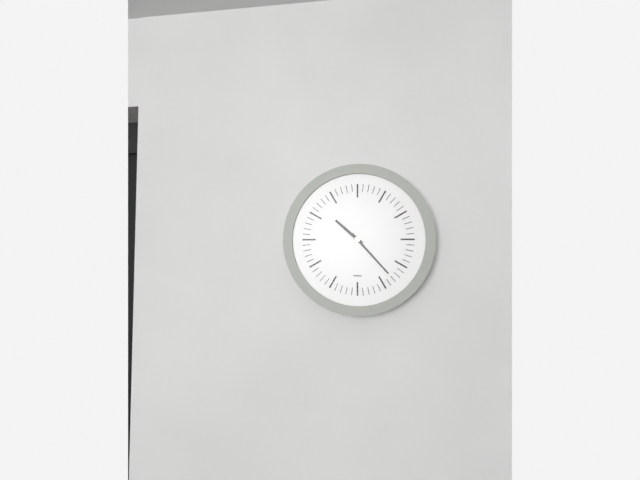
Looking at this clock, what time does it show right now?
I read 10:23
